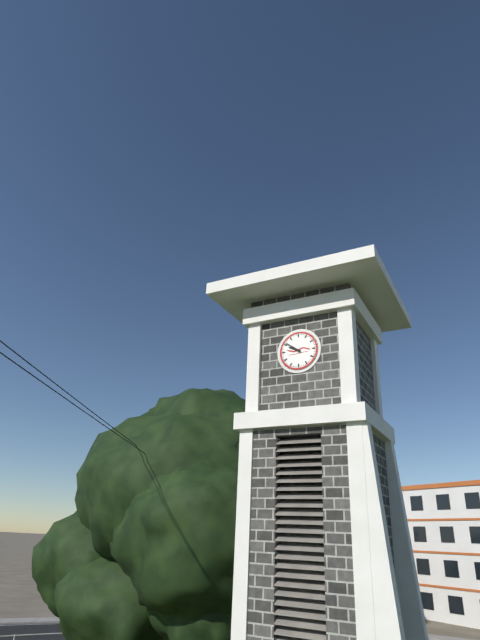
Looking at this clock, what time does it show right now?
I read 9:51
